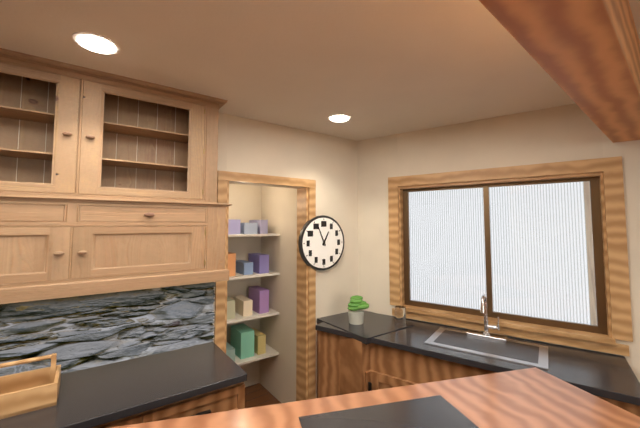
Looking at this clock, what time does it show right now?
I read 12:56
